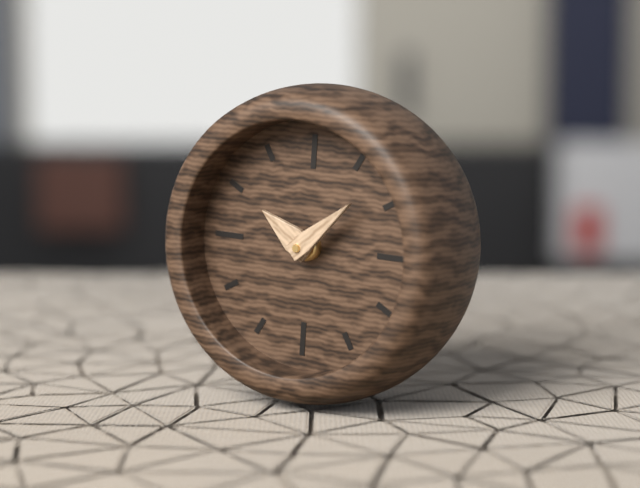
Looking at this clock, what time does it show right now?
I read 10:08
